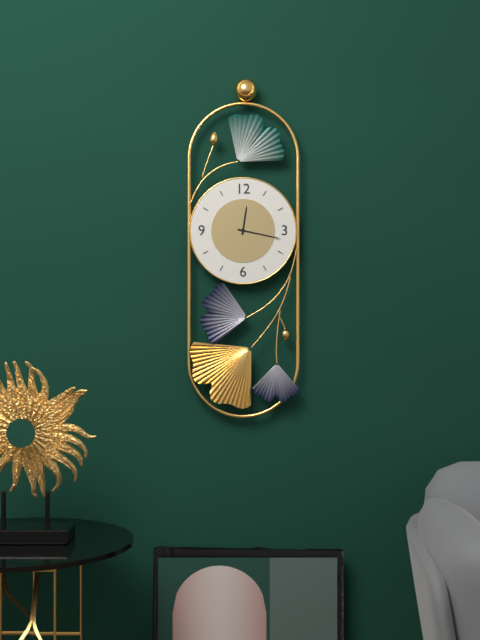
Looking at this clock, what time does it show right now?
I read 12:17
